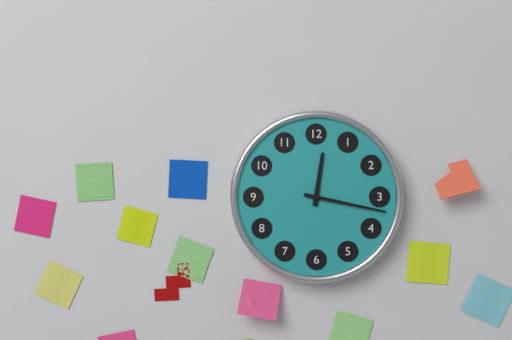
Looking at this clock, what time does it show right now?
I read 12:17
